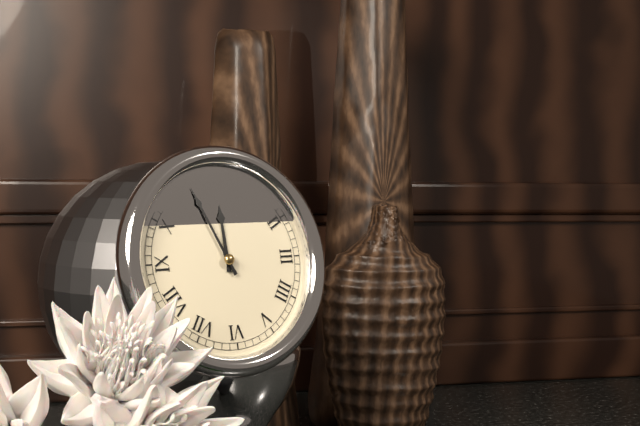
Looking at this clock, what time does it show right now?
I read 11:56
